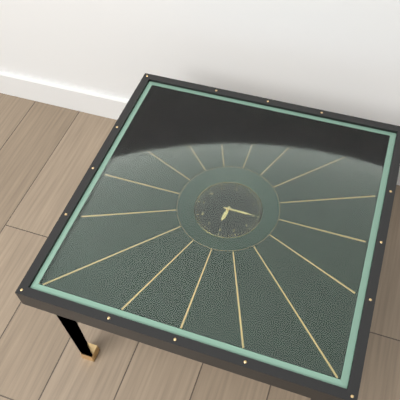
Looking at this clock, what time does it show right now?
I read 6:15
